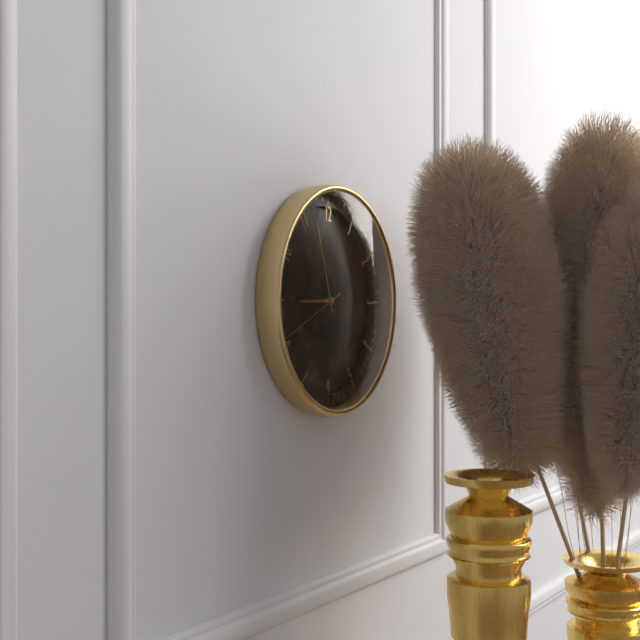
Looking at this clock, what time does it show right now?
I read 8:57:41
